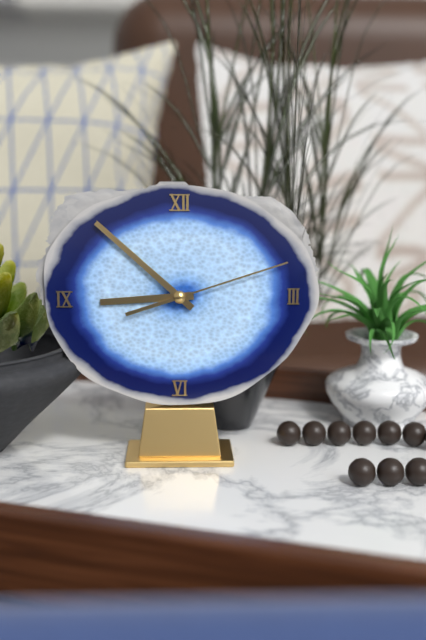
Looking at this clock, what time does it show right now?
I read 8:52:12
